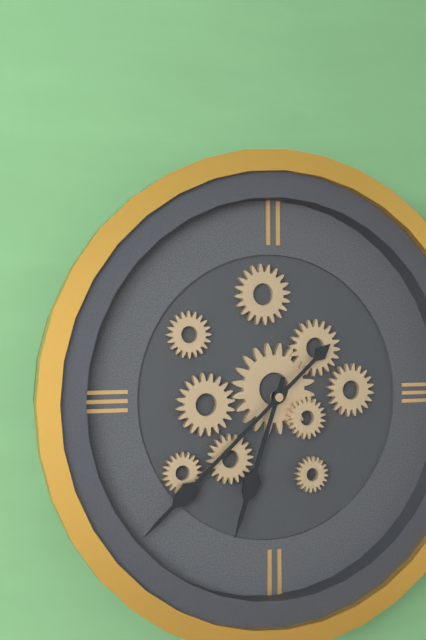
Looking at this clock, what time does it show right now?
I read 6:38
